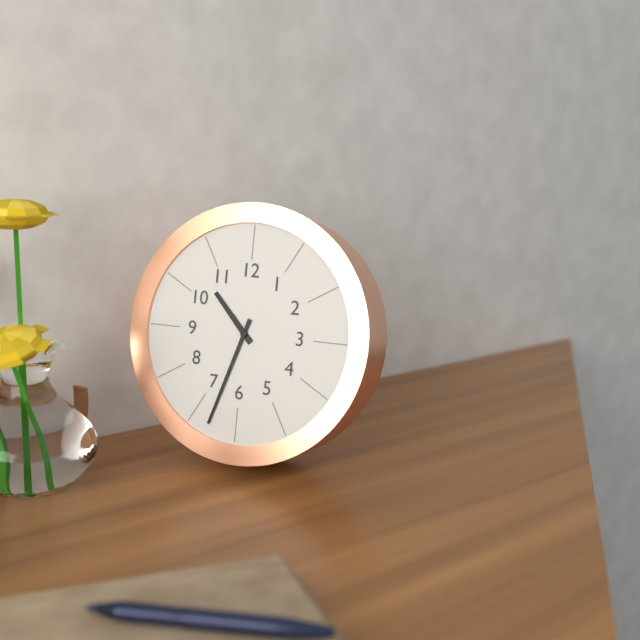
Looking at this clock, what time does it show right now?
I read 10:33
